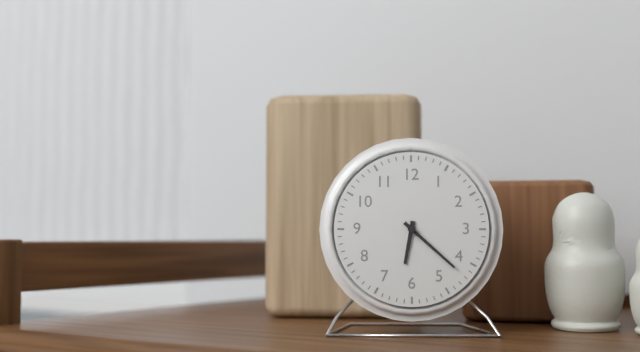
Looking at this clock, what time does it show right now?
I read 6:22
